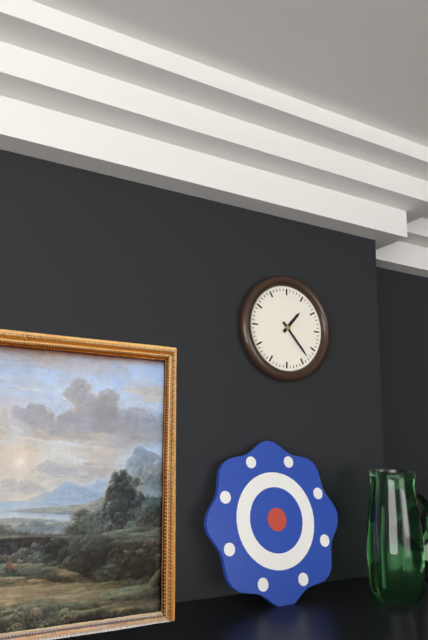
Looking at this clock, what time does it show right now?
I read 1:23
